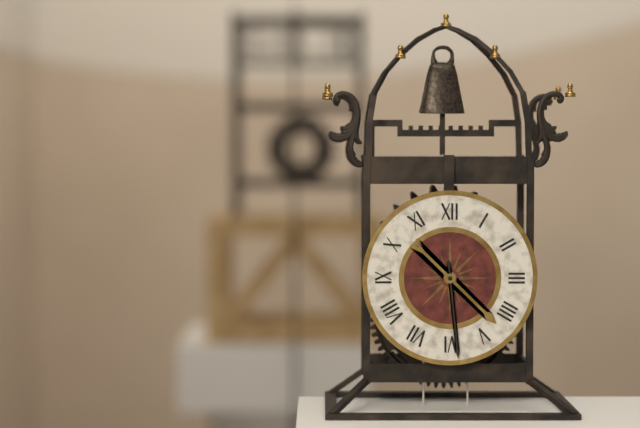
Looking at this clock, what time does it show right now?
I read 4:29
